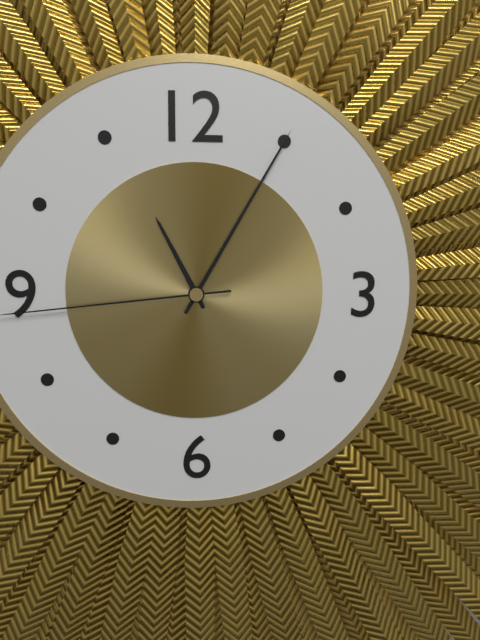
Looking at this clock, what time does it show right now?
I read 11:05
